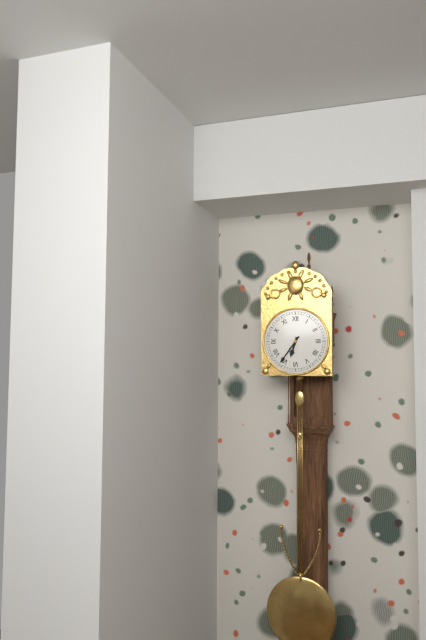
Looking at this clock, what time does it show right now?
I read 6:36
